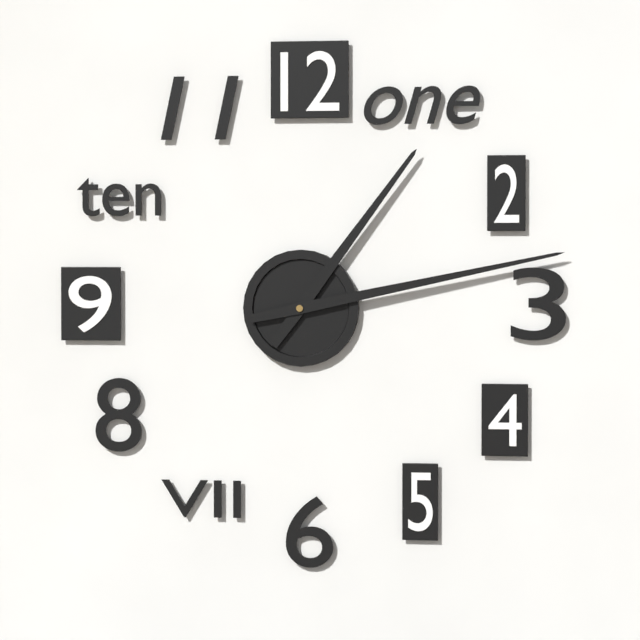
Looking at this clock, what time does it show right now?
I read 1:13
